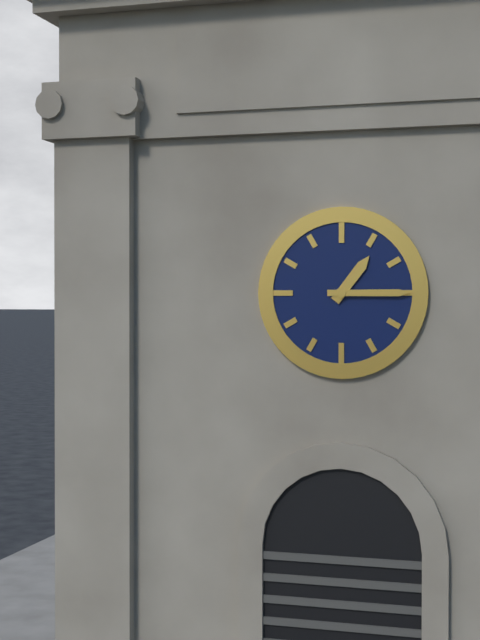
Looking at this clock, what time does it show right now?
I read 1:15
